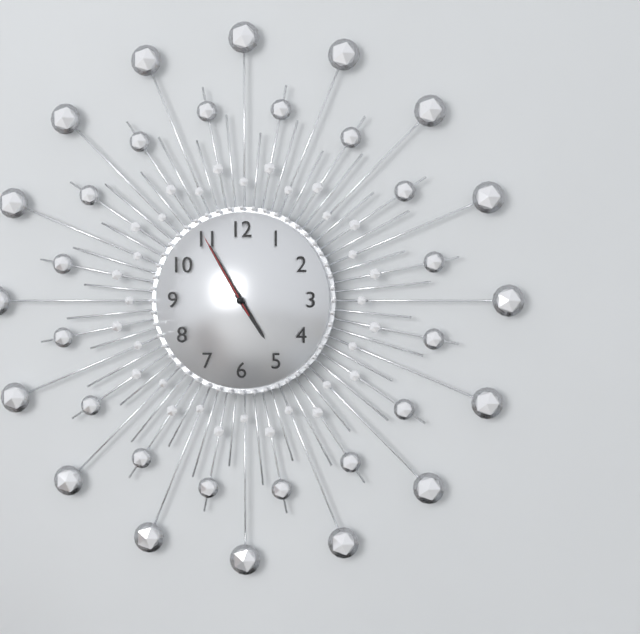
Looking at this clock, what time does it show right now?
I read 4:55:55
